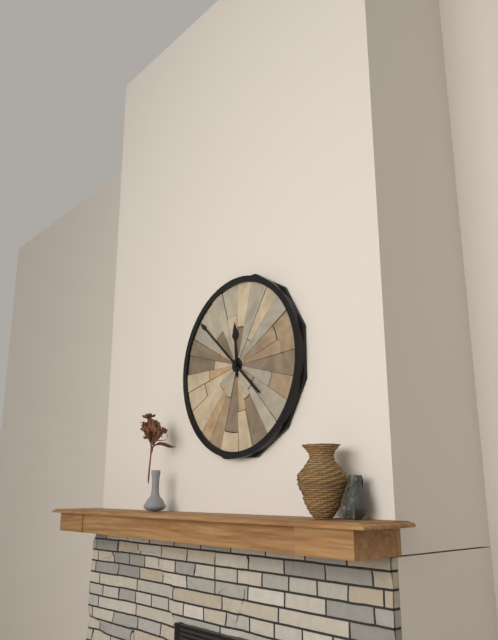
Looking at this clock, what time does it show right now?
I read 11:52
